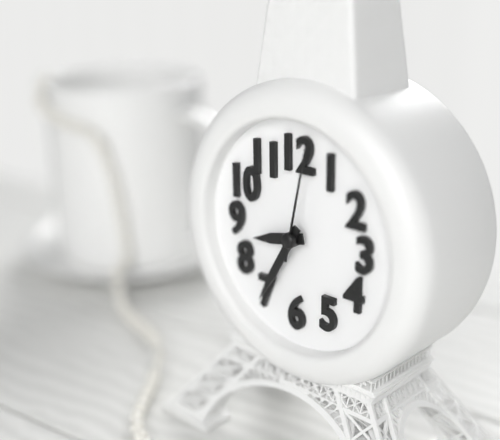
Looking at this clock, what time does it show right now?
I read 8:35:02
